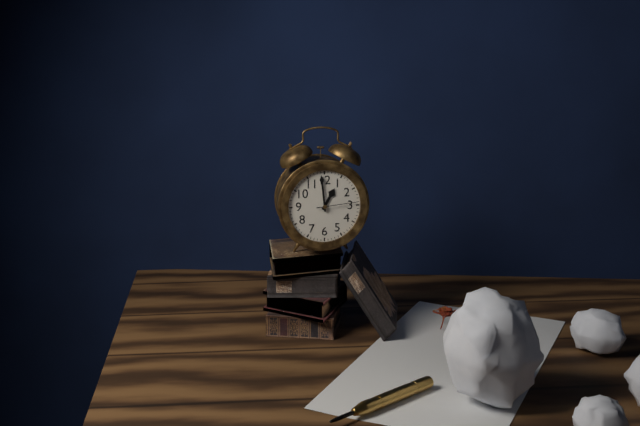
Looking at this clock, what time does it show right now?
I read 12:59
